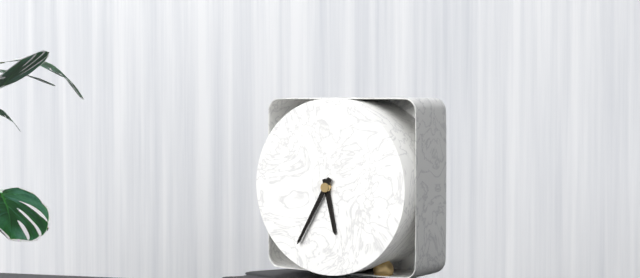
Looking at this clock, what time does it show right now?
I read 5:35
